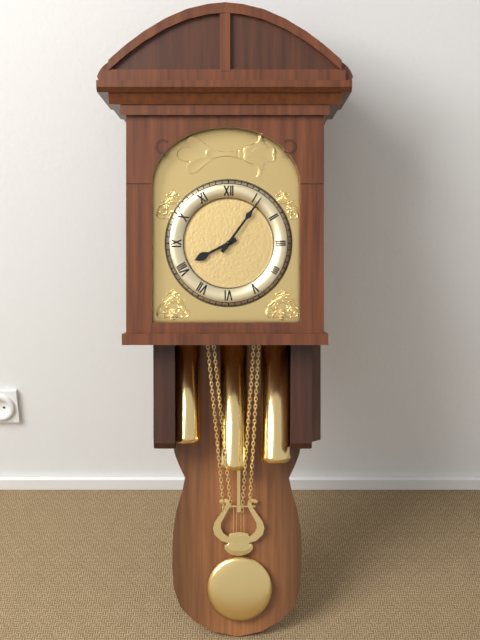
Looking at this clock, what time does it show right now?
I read 8:06
